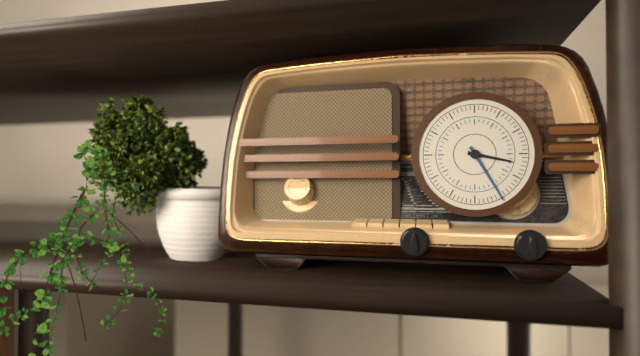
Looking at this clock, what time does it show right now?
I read 3:25
